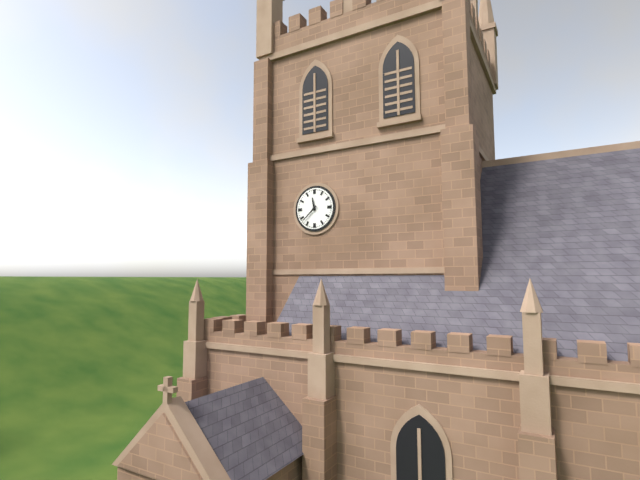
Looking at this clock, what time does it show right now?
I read 11:38
